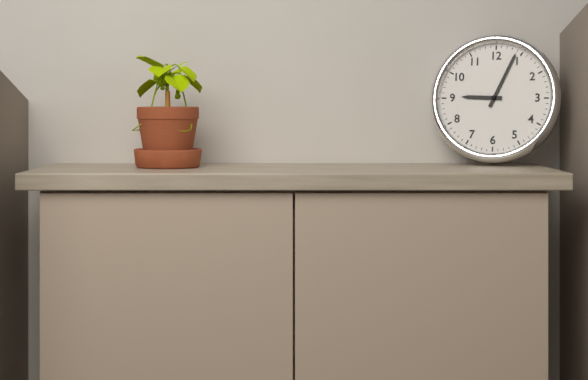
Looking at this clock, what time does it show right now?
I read 9:04
